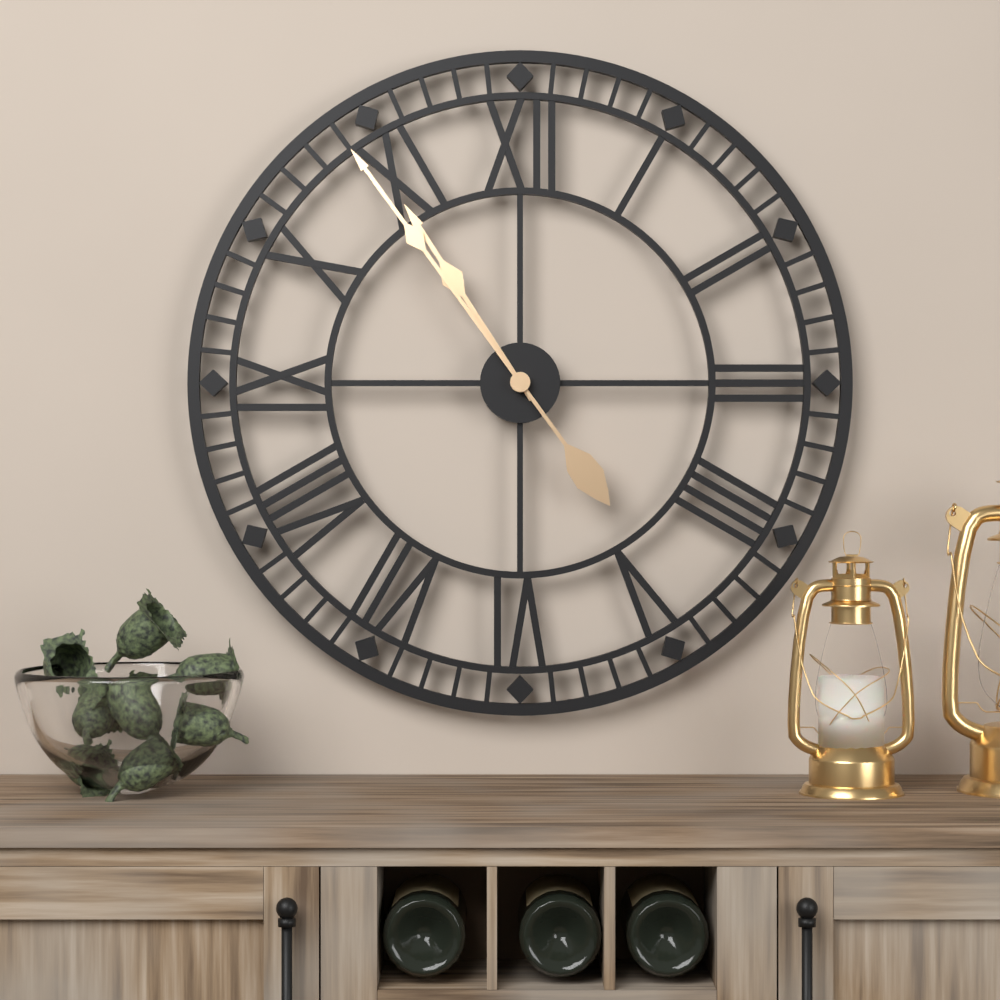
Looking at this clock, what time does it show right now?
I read 10:54
